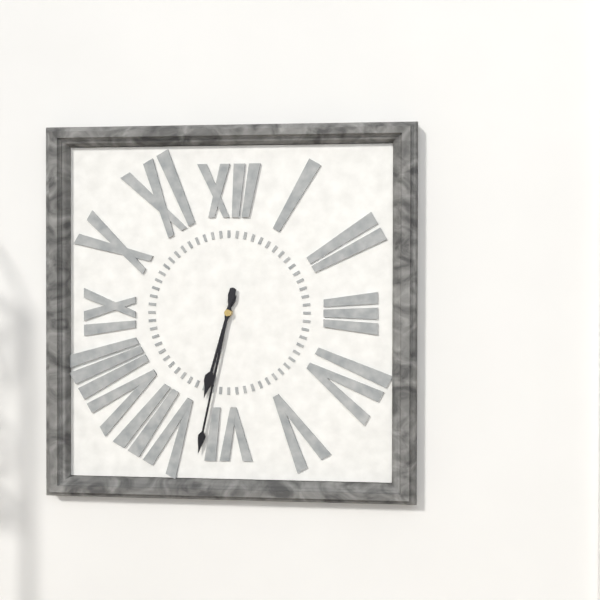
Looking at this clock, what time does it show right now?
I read 6:32
